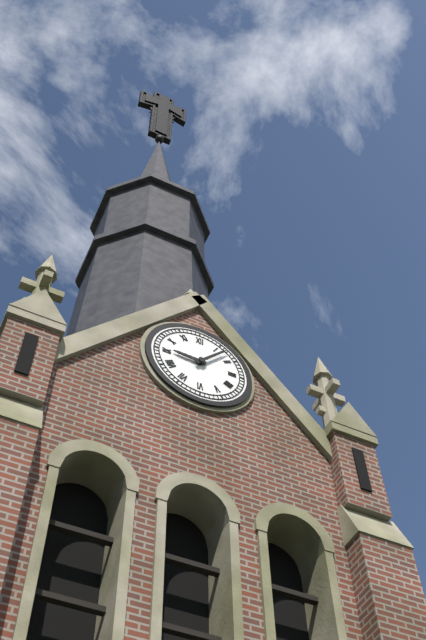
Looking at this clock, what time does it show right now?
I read 9:07
